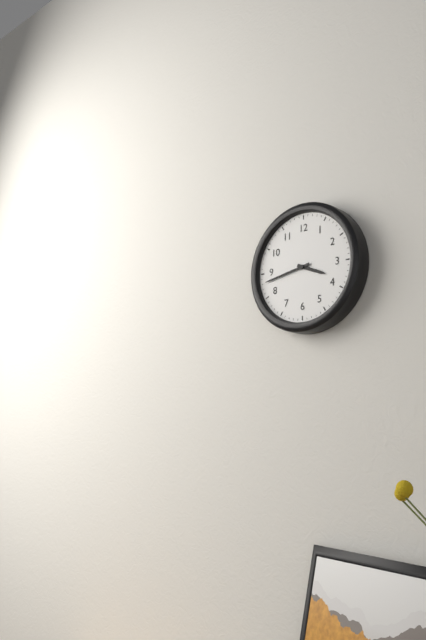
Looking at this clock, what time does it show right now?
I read 3:43
